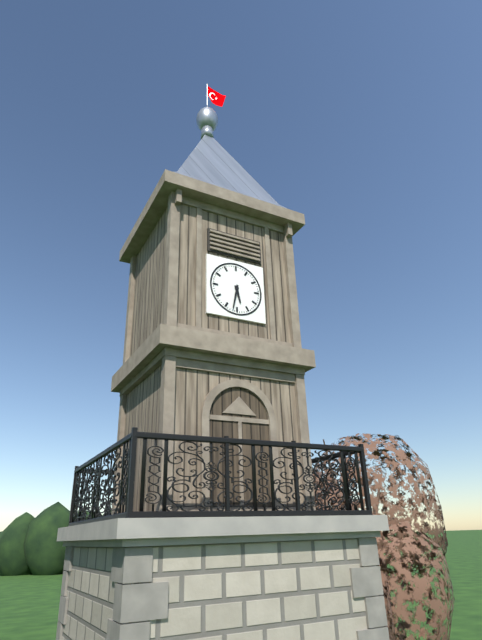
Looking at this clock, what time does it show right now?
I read 5:32
